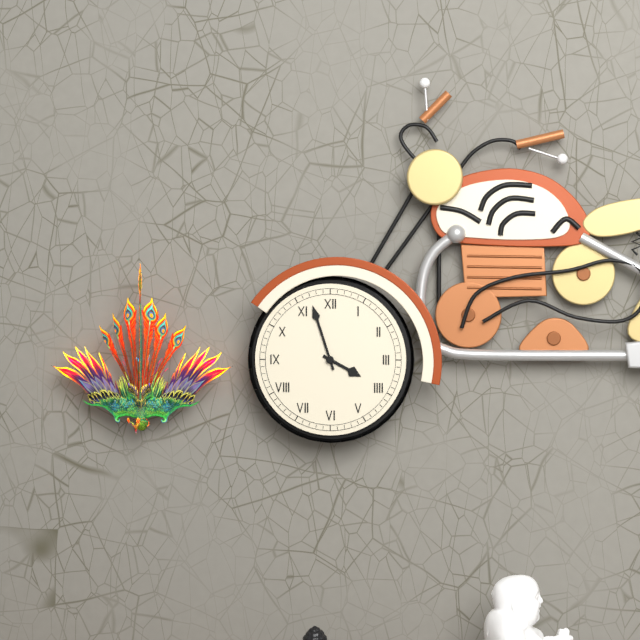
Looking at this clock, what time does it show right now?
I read 3:57
